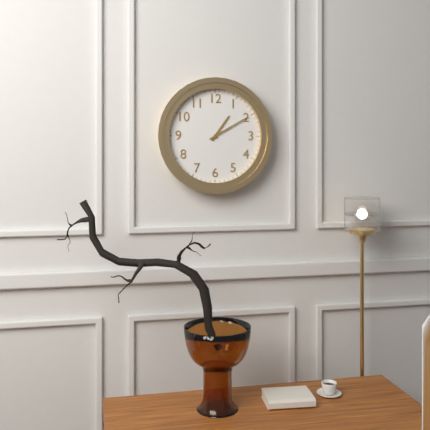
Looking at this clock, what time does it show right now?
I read 1:10
